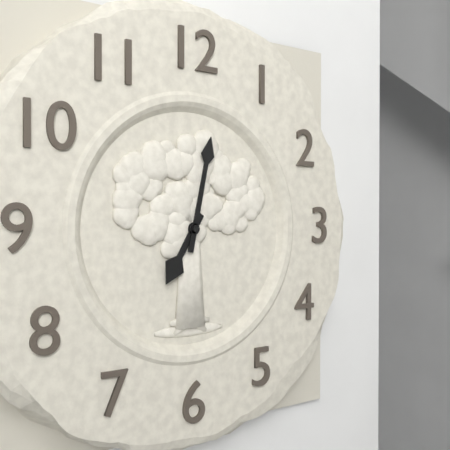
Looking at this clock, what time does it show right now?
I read 7:02
